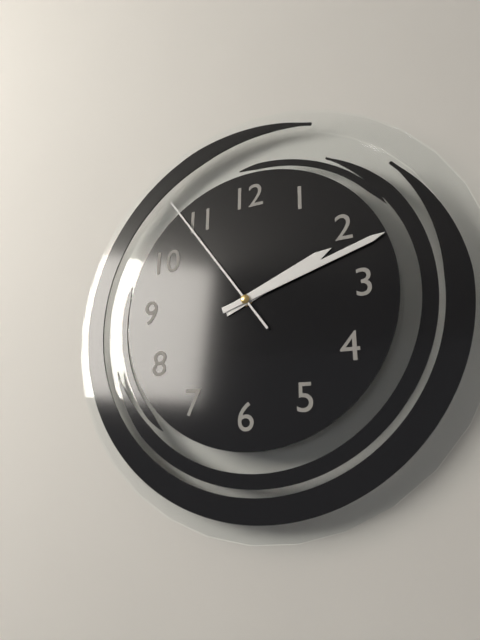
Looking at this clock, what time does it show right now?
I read 2:12:54
